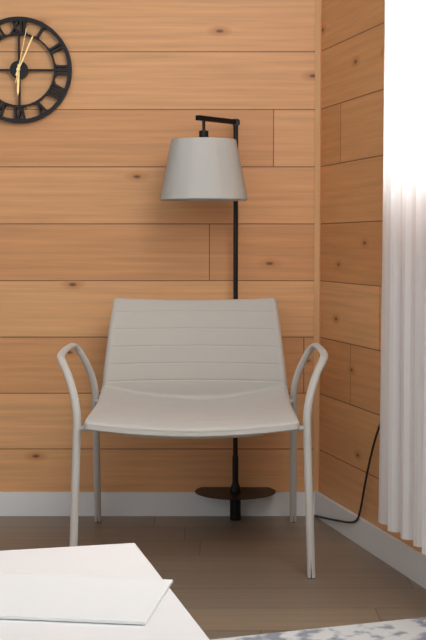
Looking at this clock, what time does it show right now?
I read 6:04:02
